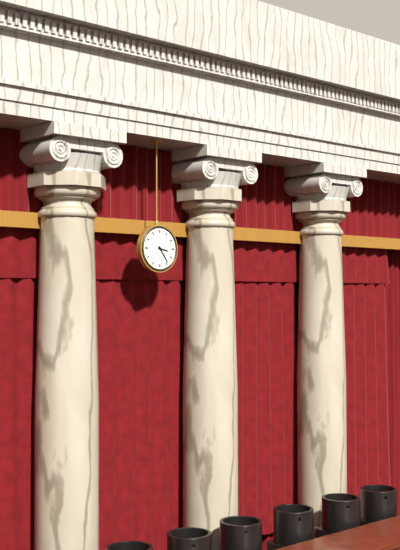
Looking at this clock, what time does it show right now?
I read 3:24
